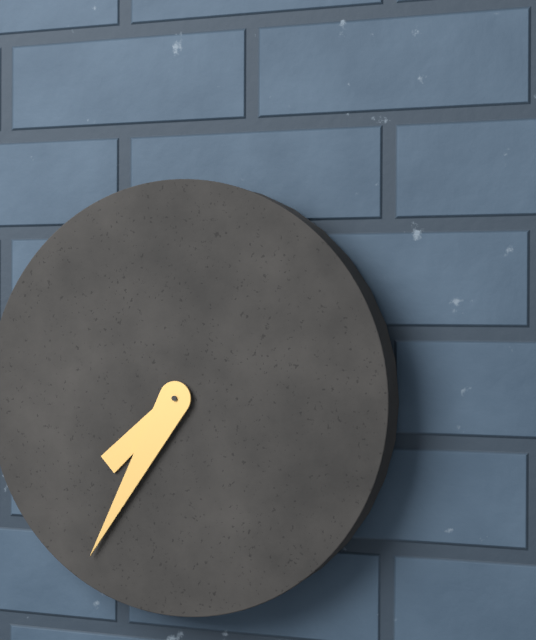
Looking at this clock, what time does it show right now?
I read 7:35
